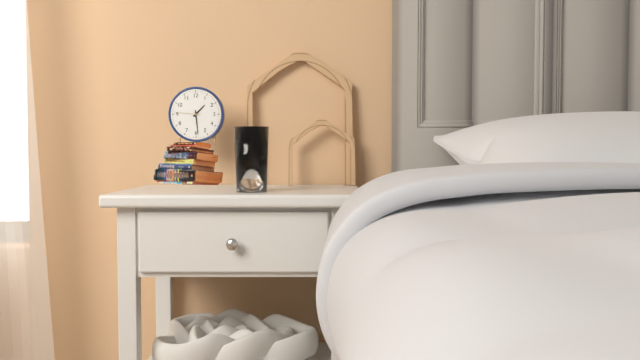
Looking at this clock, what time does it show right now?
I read 1:29
